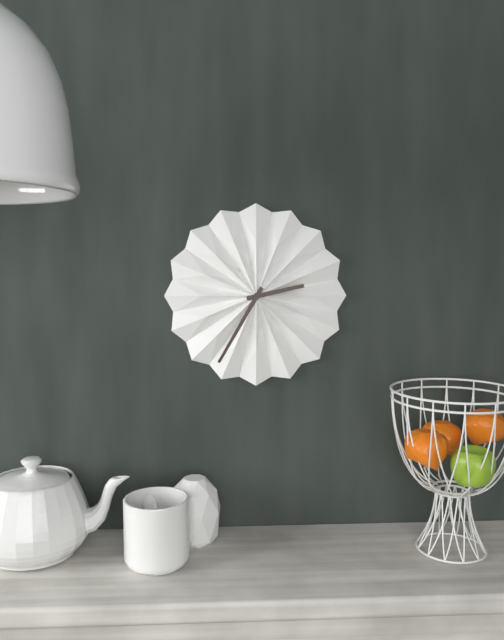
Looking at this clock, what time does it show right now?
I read 2:35
